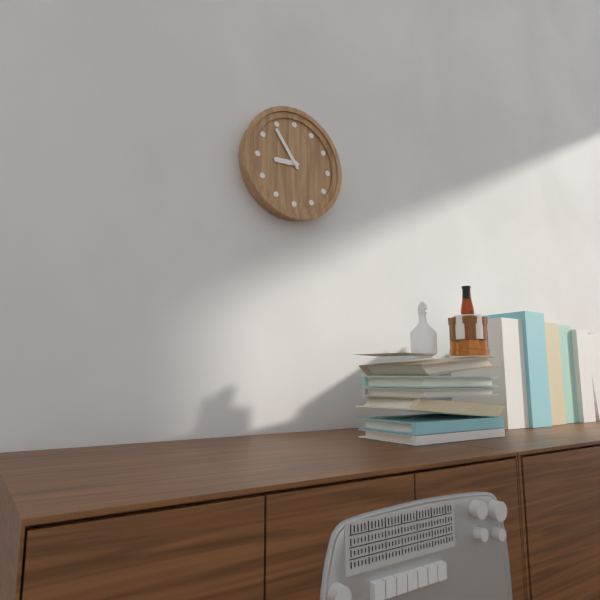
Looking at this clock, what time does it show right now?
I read 8:54
